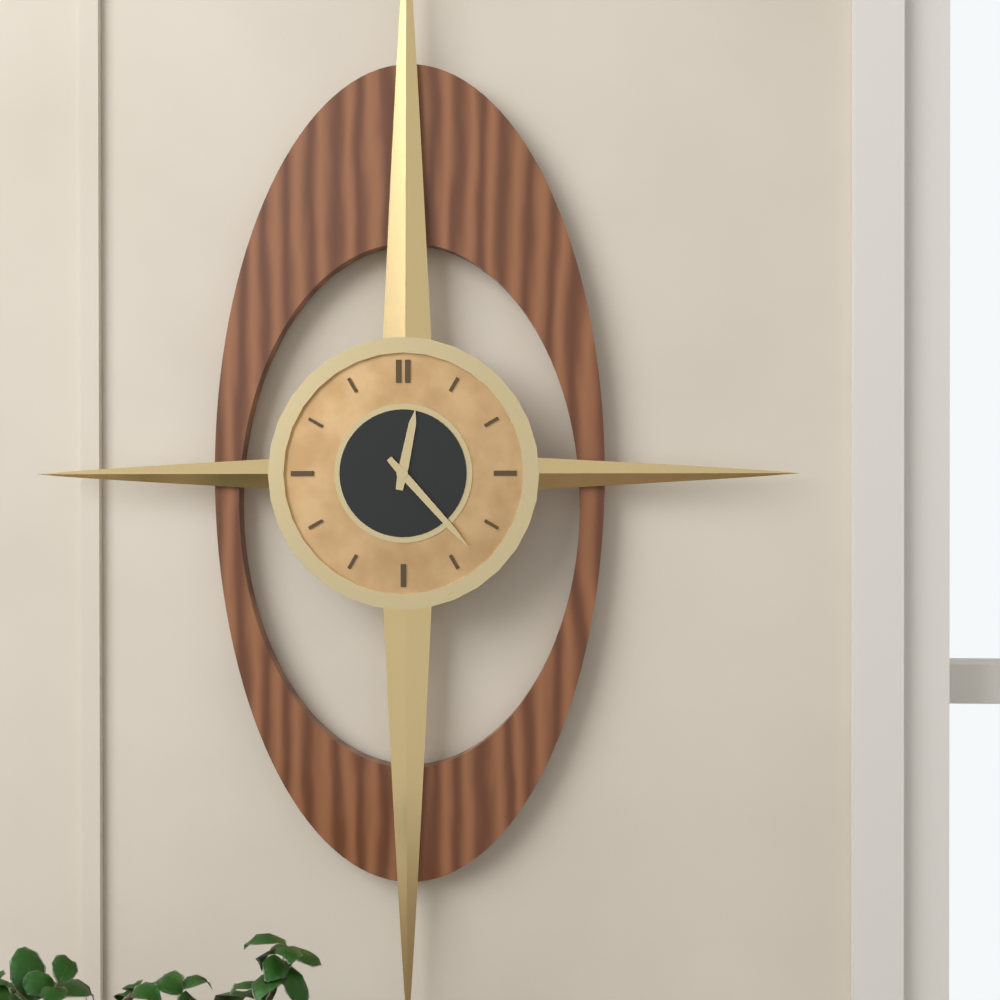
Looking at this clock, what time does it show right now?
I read 12:23
